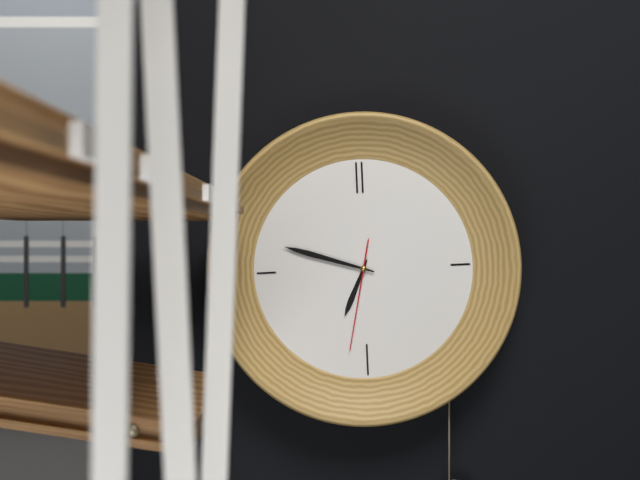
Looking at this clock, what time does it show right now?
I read 6:48:32
